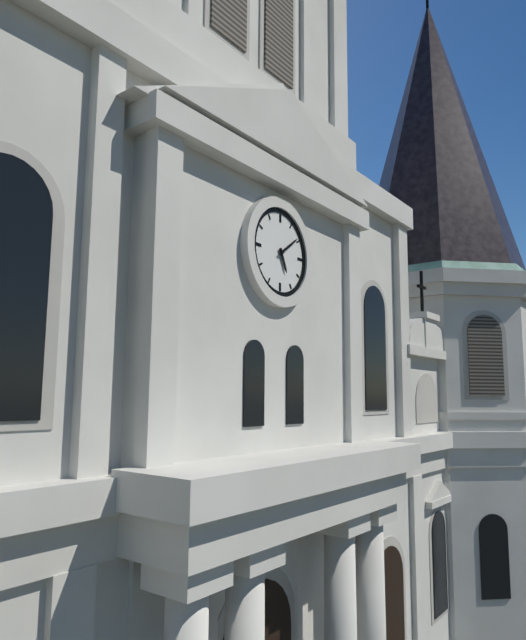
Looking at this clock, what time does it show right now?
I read 5:09
